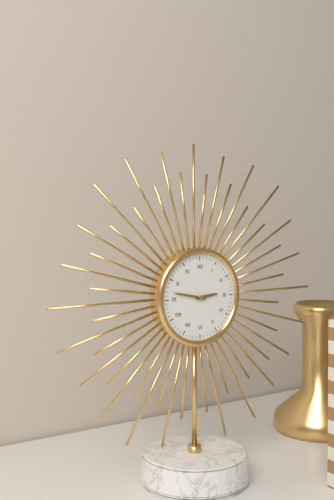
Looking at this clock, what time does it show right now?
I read 2:47
